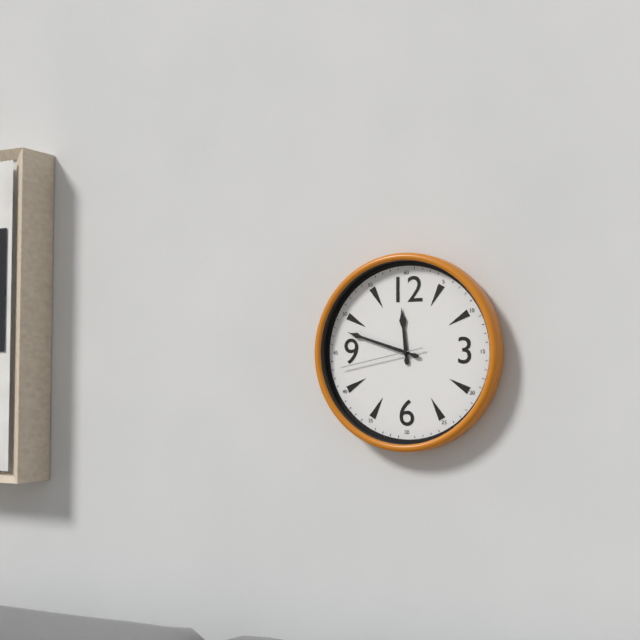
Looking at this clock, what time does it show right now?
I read 11:48:43
